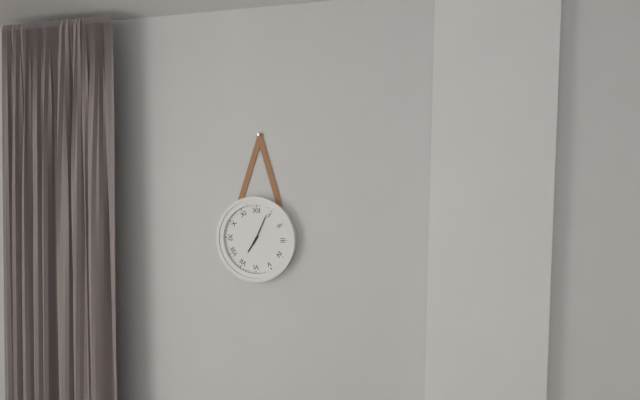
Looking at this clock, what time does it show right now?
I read 7:04
